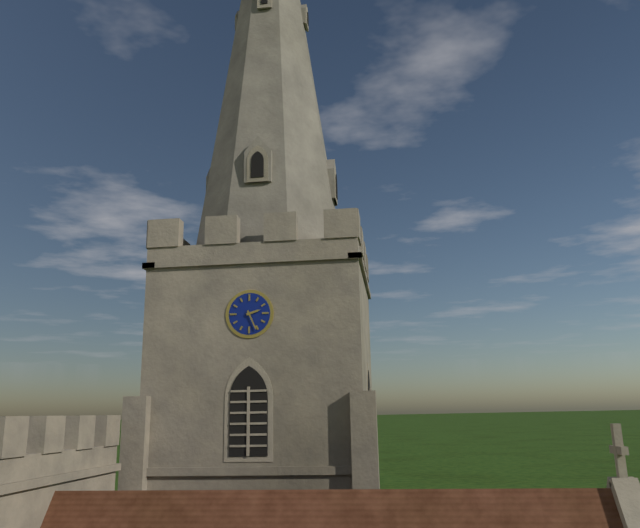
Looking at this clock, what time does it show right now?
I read 2:26
